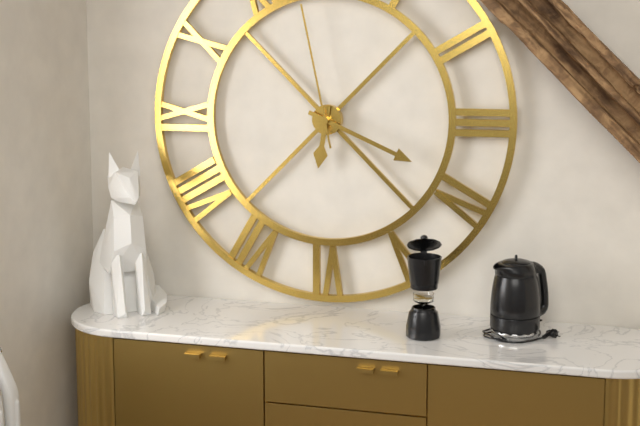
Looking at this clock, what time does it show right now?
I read 6:19:58
